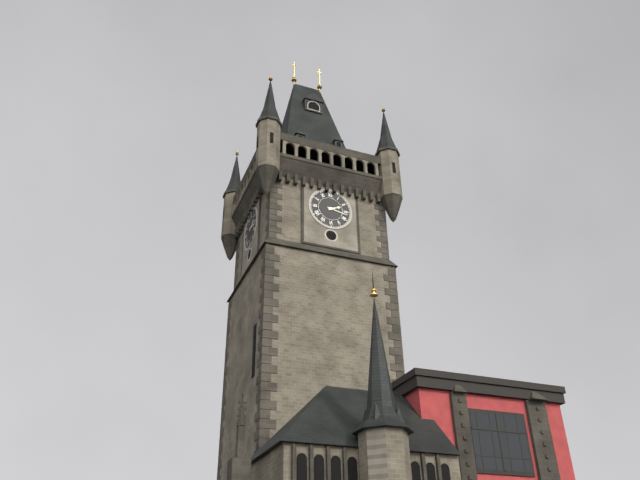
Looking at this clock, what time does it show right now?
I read 2:17
